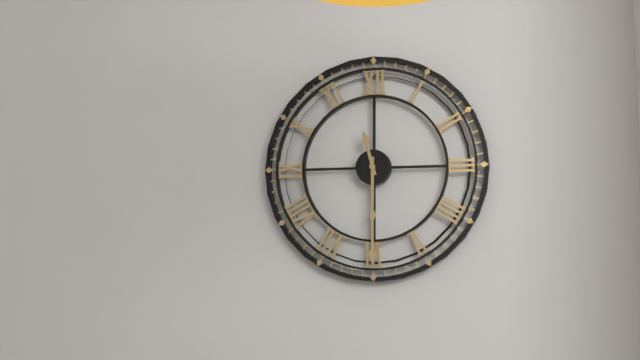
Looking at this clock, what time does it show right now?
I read 11:30
